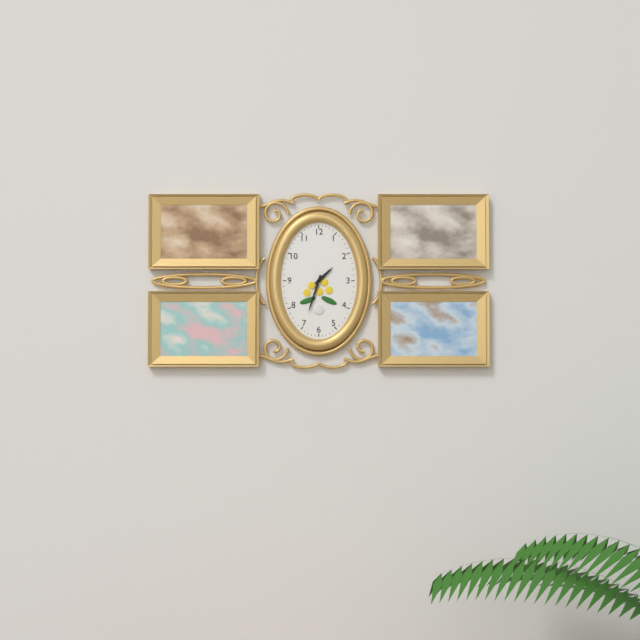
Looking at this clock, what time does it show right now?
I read 1:33
